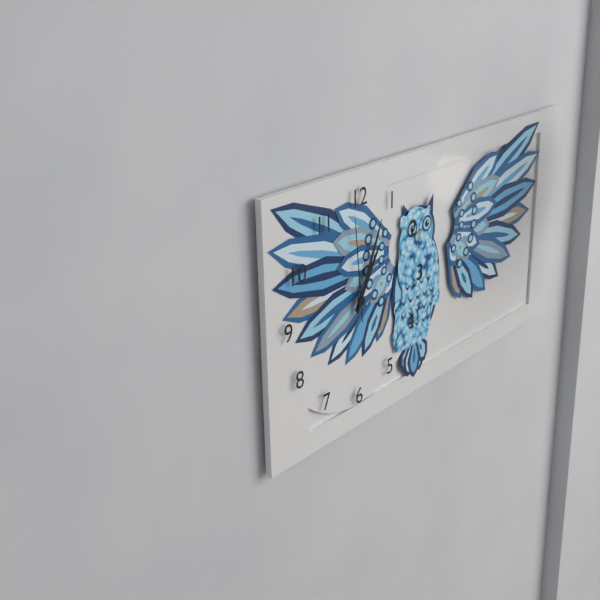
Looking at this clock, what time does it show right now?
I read 1:04:59
